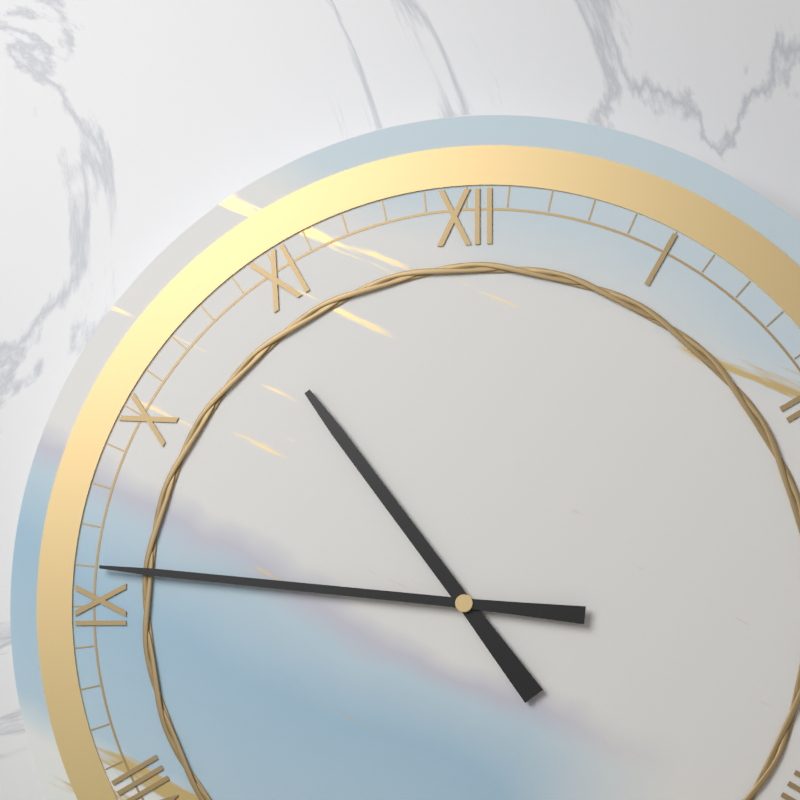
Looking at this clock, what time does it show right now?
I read 10:46
